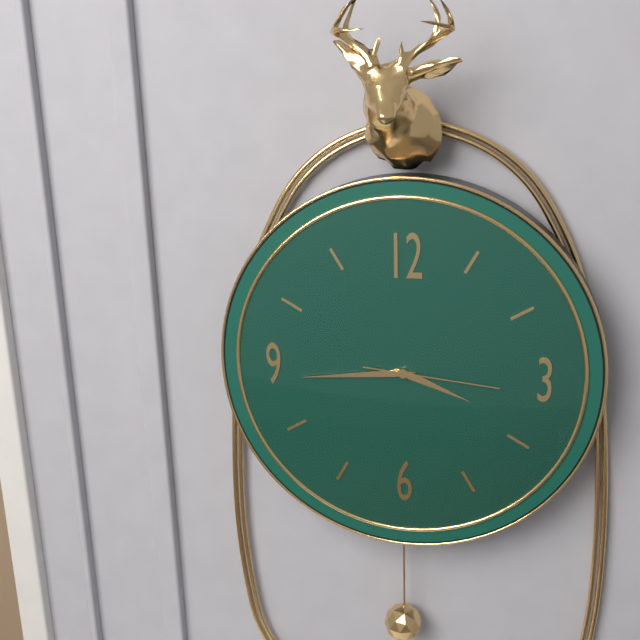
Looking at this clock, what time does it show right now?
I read 3:44:16
